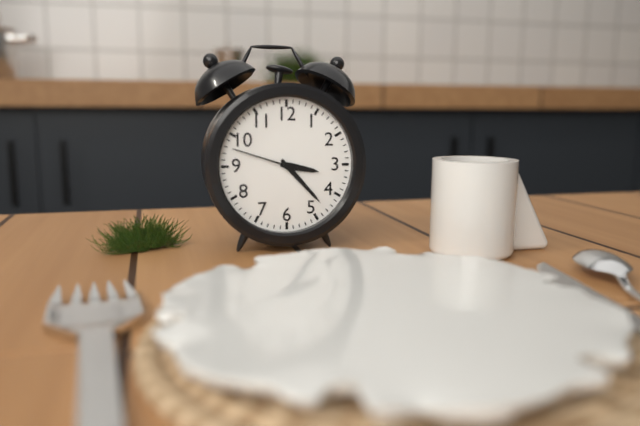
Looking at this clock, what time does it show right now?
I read 3:23:48
